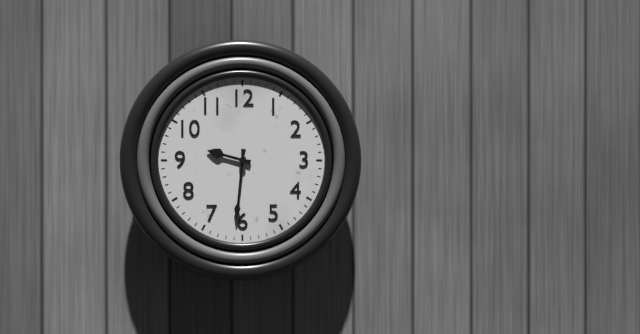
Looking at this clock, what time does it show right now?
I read 9:31
